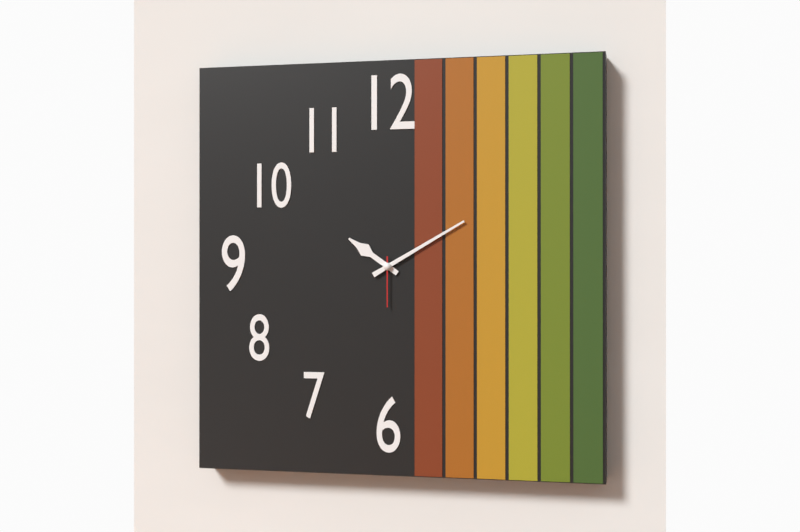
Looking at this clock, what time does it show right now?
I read 10:10:30
